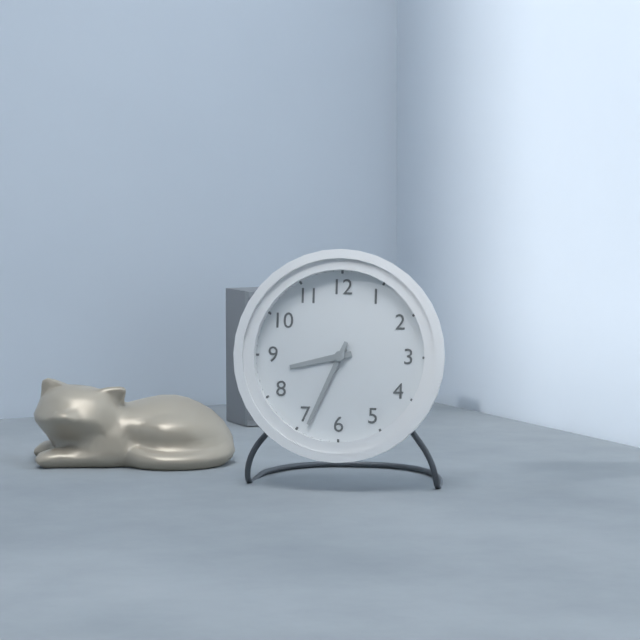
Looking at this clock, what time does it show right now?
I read 8:34
